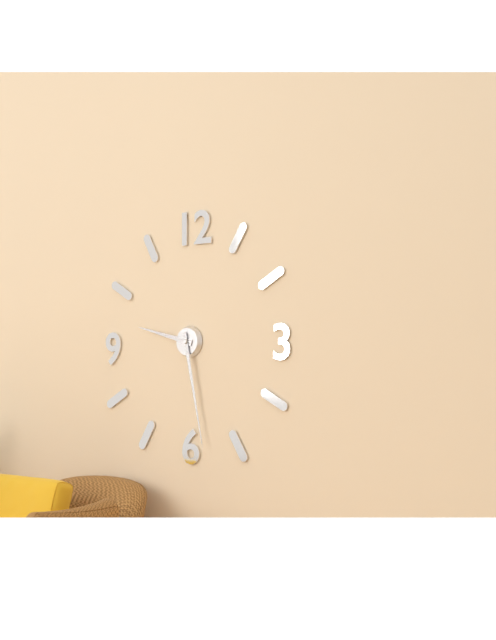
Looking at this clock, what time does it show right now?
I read 9:28
